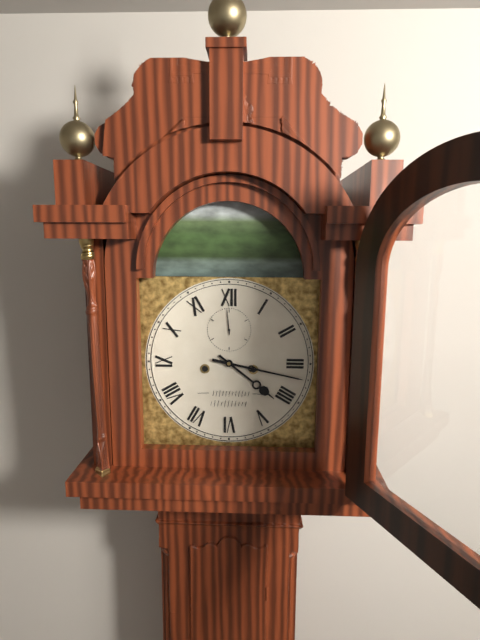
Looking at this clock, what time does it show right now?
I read 4:17
